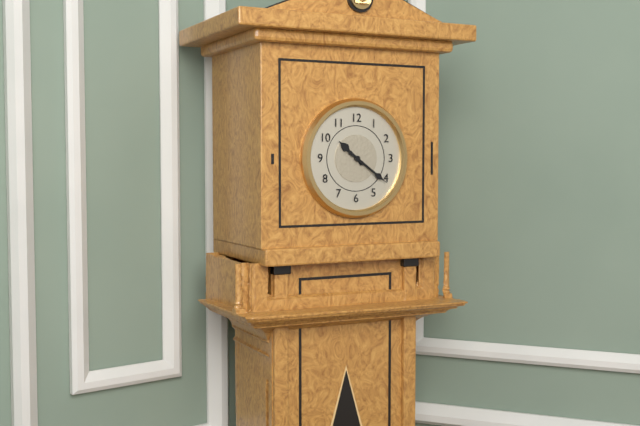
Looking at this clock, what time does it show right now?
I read 10:21
